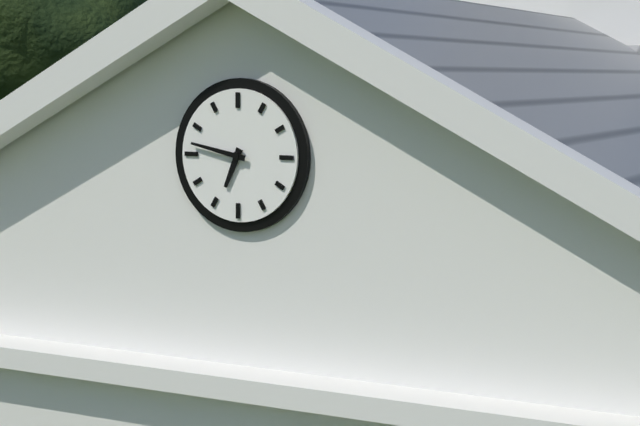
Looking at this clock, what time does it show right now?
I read 6:47
